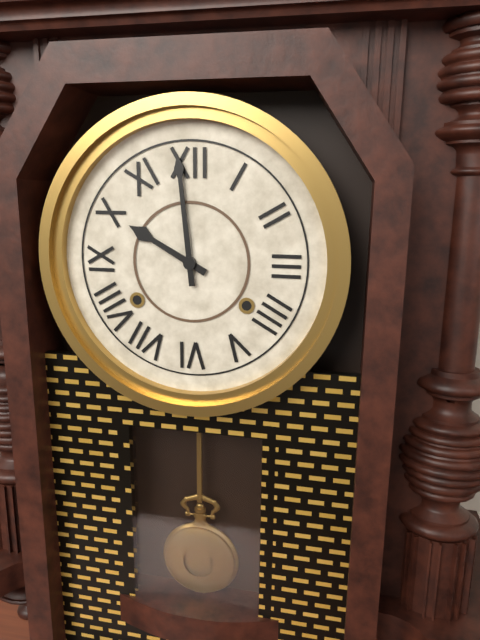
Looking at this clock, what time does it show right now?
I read 9:59
